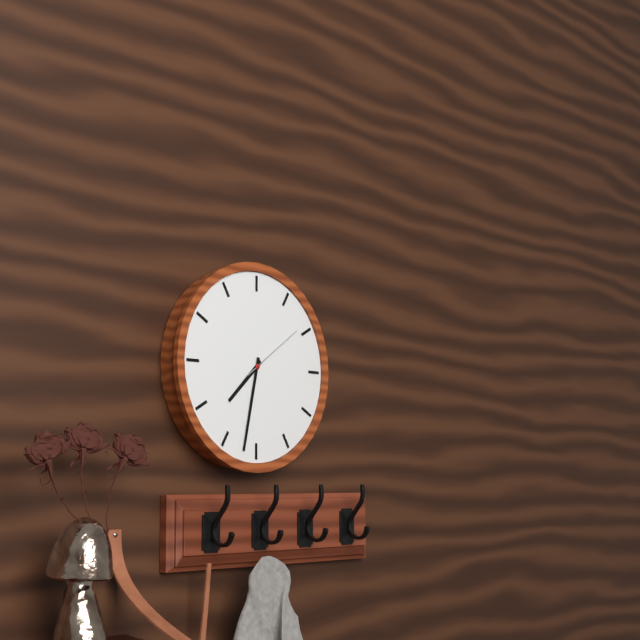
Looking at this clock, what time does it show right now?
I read 7:32:09
